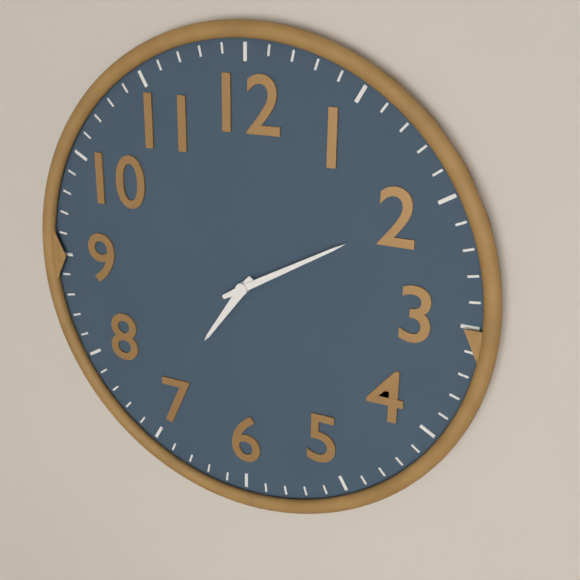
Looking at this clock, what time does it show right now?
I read 7:10
